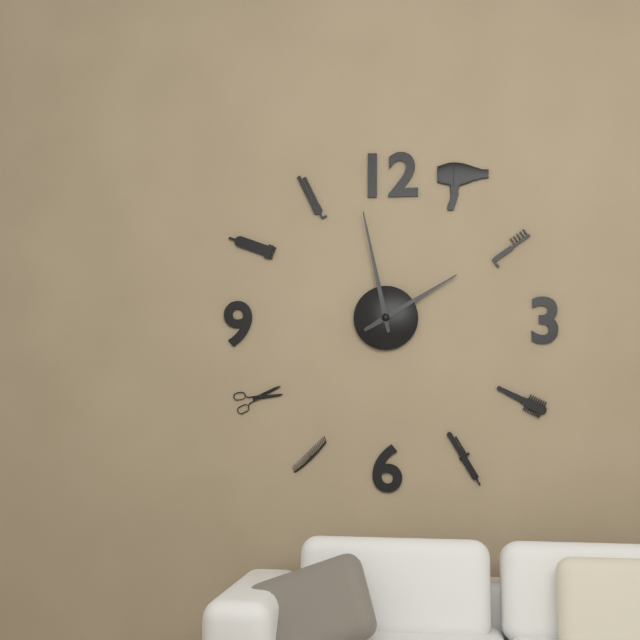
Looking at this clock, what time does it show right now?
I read 1:58
